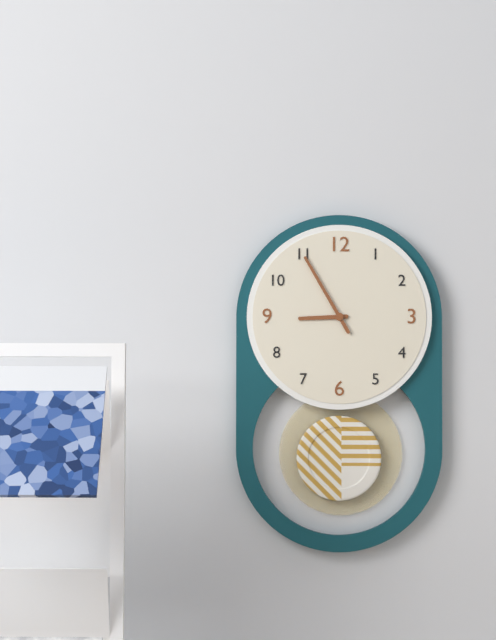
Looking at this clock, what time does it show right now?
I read 8:55
